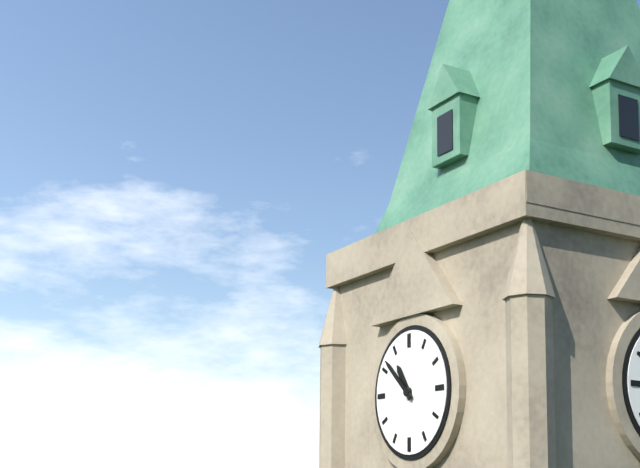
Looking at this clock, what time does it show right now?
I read 10:52
